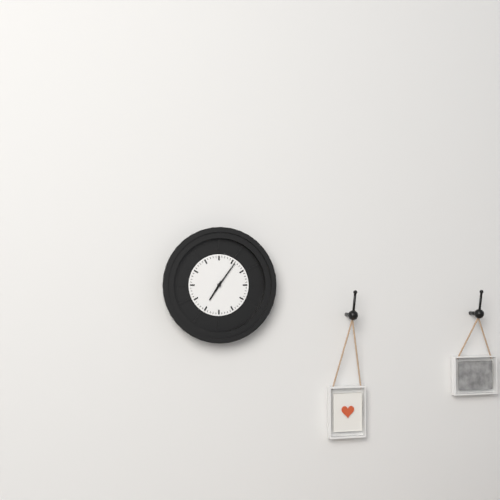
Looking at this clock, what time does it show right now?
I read 7:06
